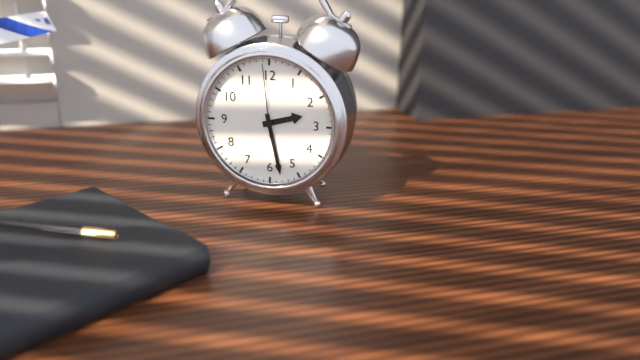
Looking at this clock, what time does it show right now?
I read 2:28:59
